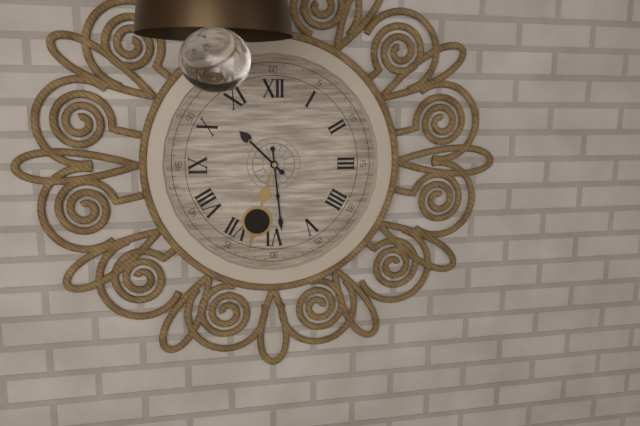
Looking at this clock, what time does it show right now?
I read 10:29
